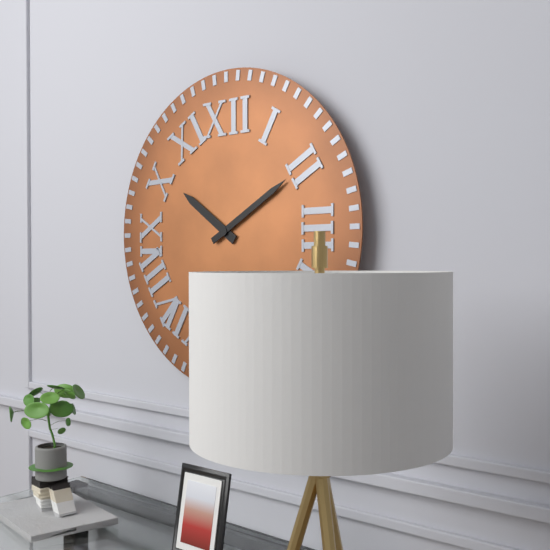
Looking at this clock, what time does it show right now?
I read 10:10
